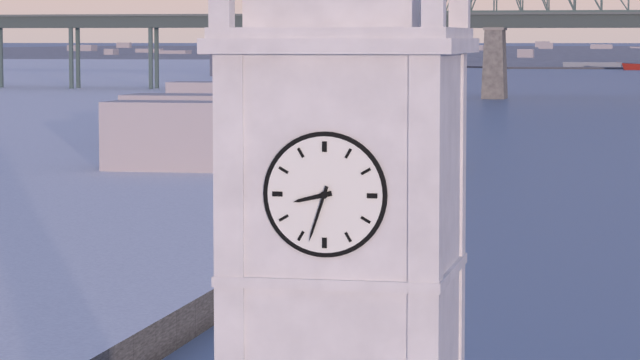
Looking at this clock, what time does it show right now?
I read 8:33
